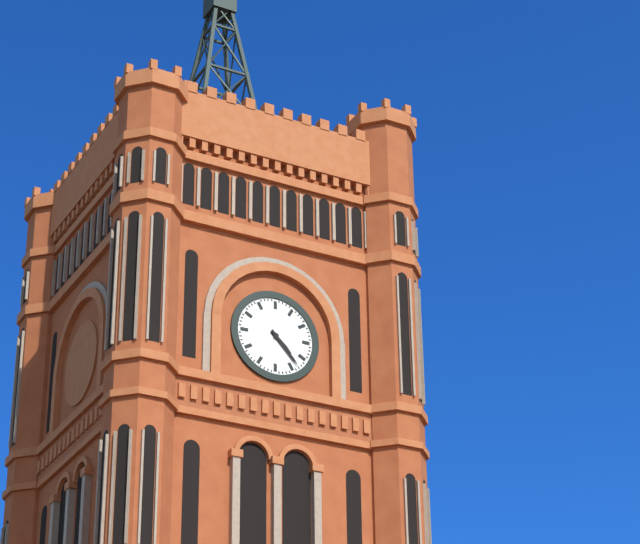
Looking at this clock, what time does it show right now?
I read 4:23
